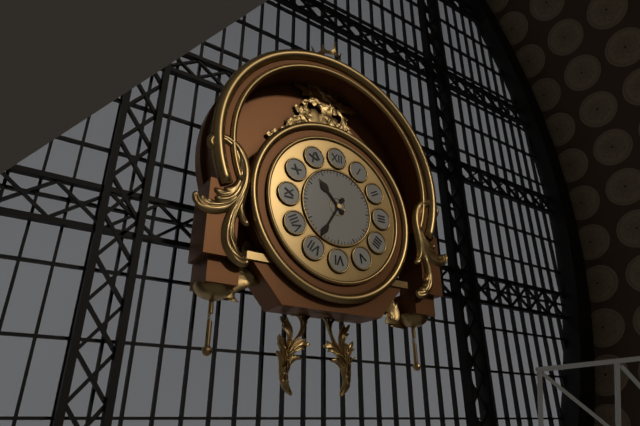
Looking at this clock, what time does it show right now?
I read 10:35
